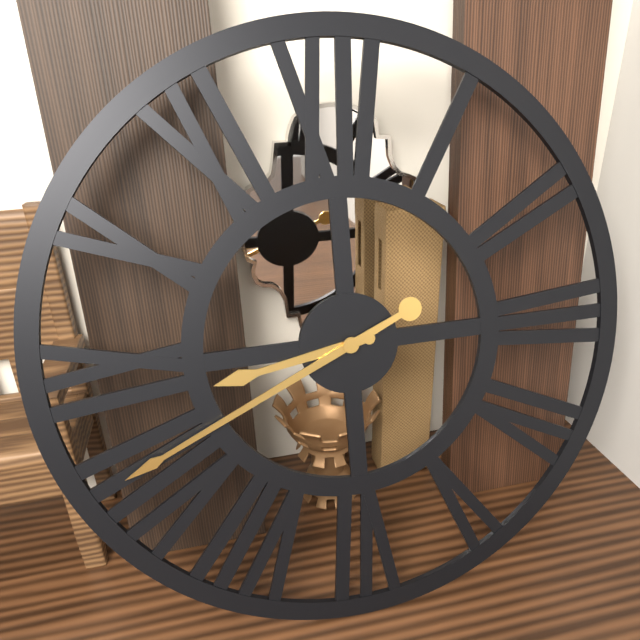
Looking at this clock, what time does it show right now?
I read 8:41
